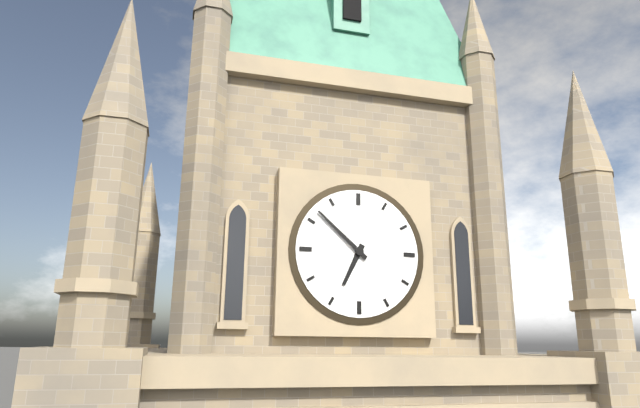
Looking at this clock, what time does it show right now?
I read 6:52
